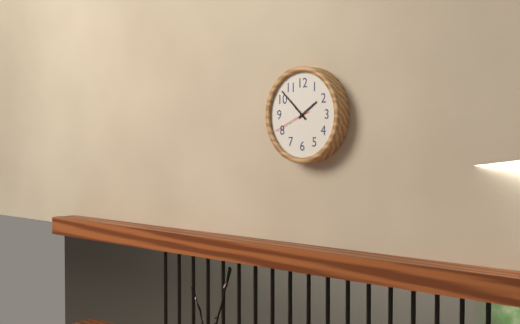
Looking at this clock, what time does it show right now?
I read 1:52
